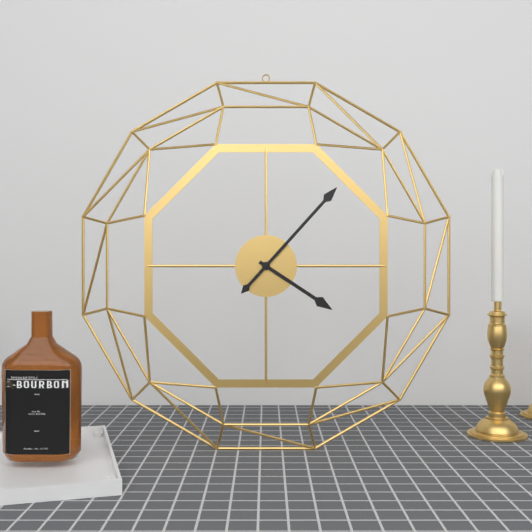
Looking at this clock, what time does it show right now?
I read 4:07
